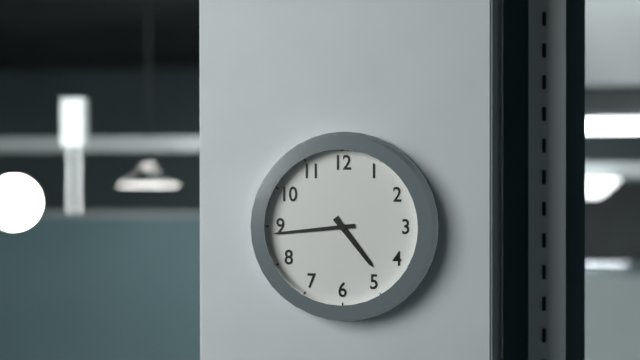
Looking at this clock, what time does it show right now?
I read 4:44
